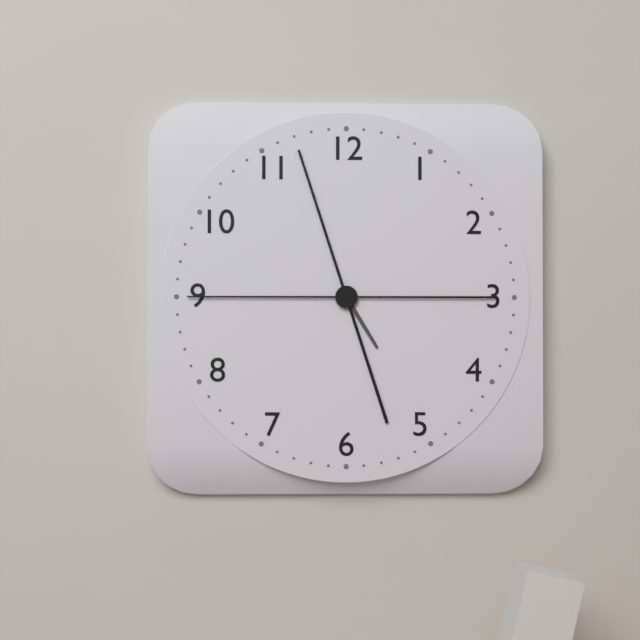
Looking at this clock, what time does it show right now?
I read 4:57:45
